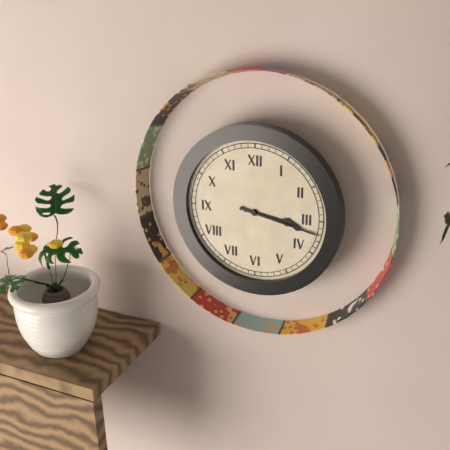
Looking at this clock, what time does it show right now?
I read 3:17
